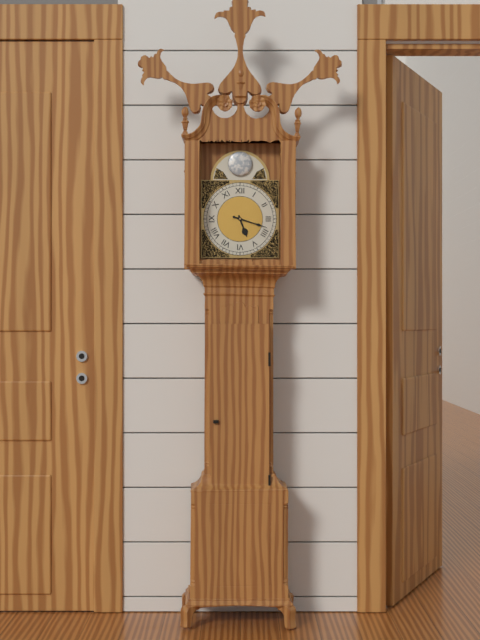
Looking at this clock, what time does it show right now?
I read 5:18
